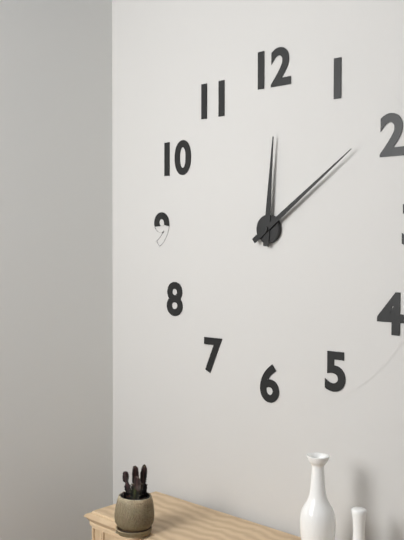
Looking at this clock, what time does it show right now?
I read 12:09
